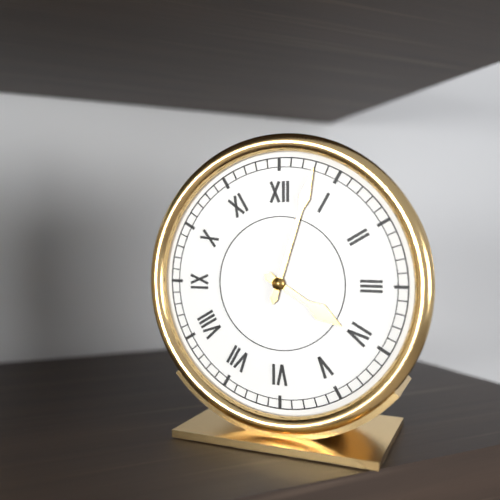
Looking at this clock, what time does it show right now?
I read 4:03
